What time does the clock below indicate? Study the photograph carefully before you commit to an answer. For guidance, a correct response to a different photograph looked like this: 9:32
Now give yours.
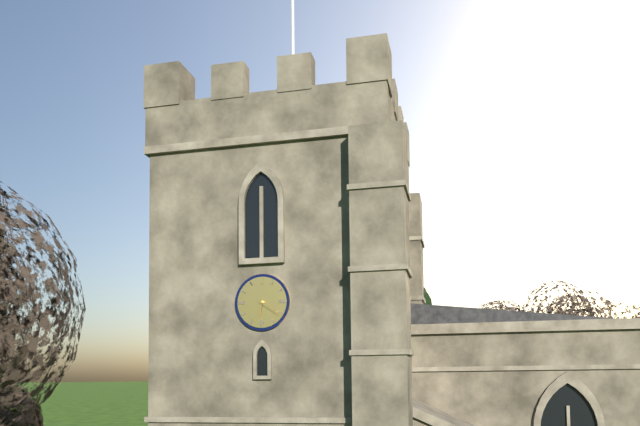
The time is 6:21
